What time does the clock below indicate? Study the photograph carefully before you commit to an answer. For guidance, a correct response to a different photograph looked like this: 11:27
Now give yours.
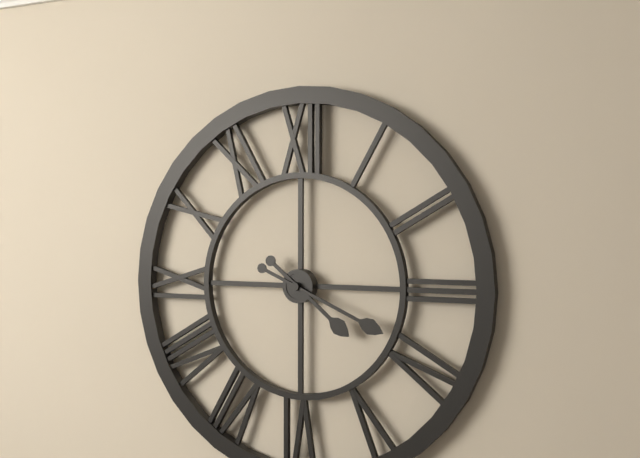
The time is 4:19
